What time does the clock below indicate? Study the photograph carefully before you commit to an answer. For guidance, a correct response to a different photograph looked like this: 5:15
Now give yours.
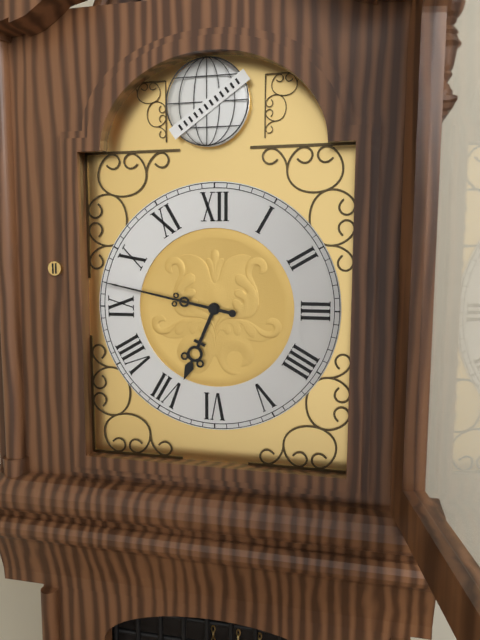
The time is 6:47
